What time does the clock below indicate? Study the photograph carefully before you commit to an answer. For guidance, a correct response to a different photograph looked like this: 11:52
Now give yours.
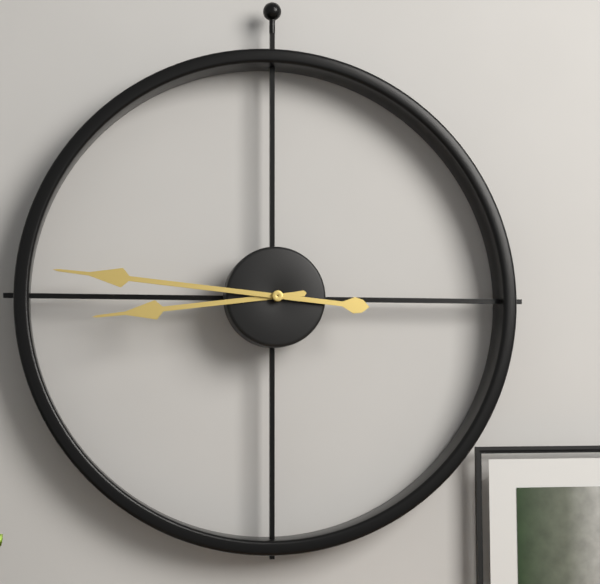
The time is 8:46
